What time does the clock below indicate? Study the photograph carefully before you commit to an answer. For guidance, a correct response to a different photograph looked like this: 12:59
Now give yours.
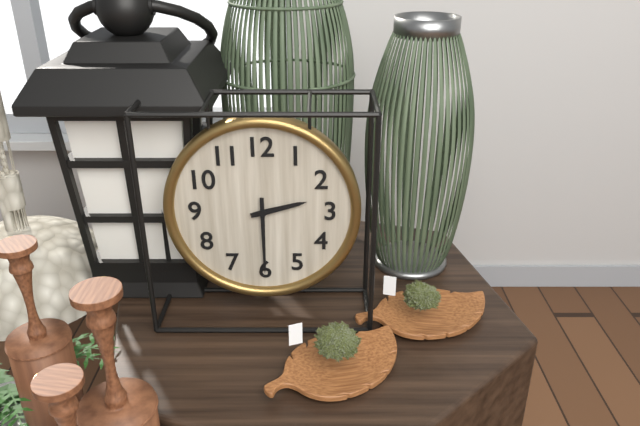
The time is 2:30
